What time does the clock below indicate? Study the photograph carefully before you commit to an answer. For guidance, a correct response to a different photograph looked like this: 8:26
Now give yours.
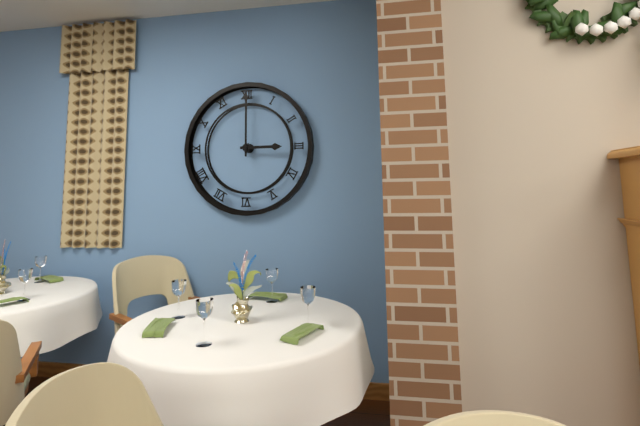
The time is 3:00
